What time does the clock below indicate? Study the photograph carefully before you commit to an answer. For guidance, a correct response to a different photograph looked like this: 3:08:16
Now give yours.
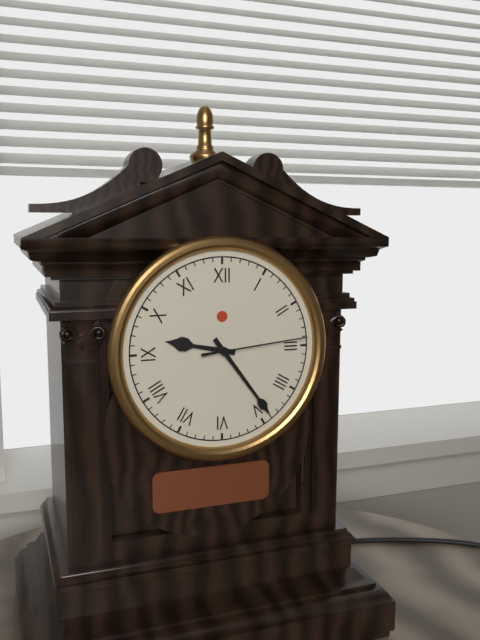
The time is 9:24:14
